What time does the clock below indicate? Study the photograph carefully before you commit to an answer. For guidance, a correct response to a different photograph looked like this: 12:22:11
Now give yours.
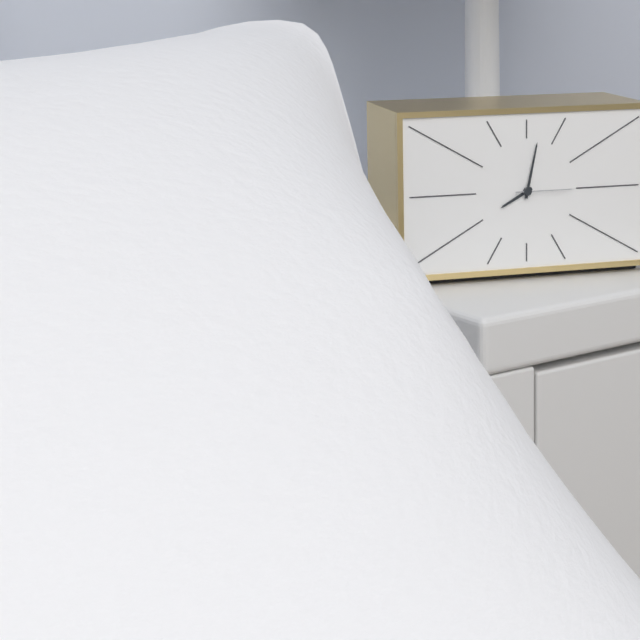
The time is 8:02:15
